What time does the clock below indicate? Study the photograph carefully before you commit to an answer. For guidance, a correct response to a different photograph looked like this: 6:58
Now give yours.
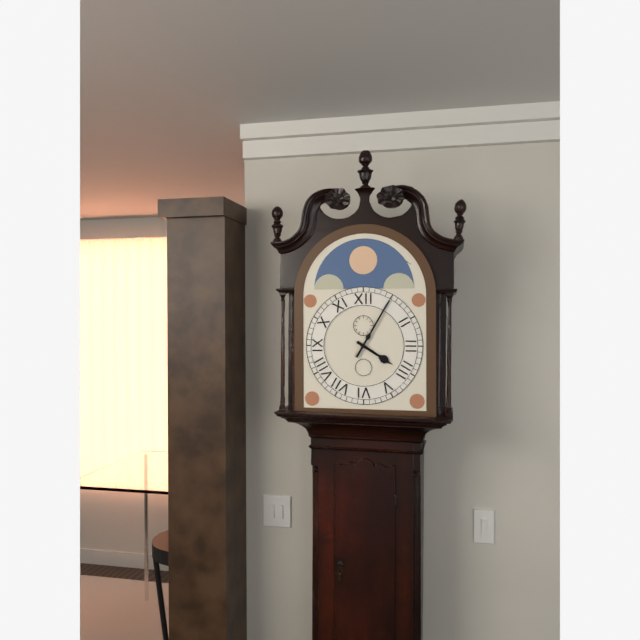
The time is 4:05
